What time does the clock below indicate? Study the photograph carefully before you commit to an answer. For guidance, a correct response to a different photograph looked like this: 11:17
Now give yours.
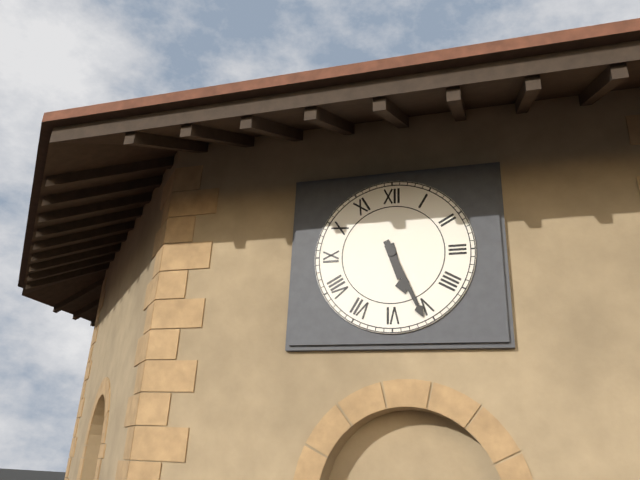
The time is 5:26
